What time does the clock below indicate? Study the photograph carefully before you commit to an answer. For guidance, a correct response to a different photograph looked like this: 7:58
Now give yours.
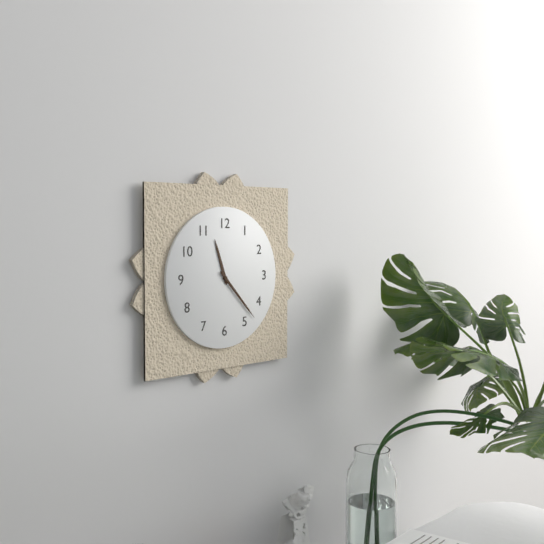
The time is 11:23
